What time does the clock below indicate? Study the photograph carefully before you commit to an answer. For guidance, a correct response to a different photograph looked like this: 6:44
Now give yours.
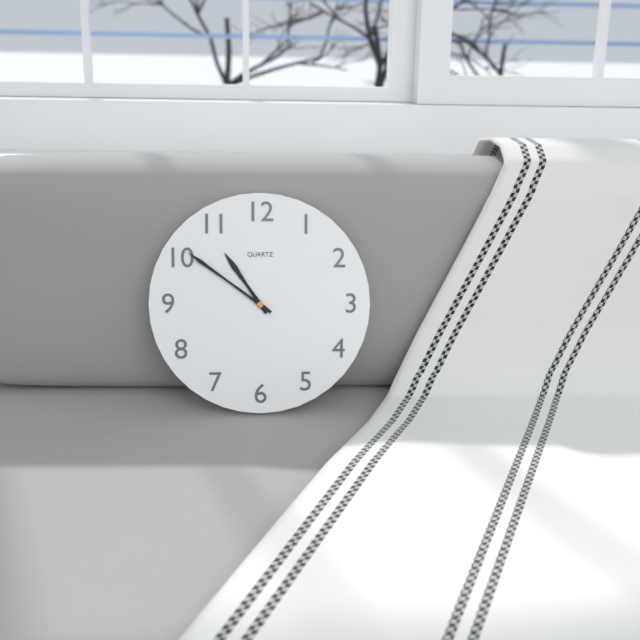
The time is 10:51
